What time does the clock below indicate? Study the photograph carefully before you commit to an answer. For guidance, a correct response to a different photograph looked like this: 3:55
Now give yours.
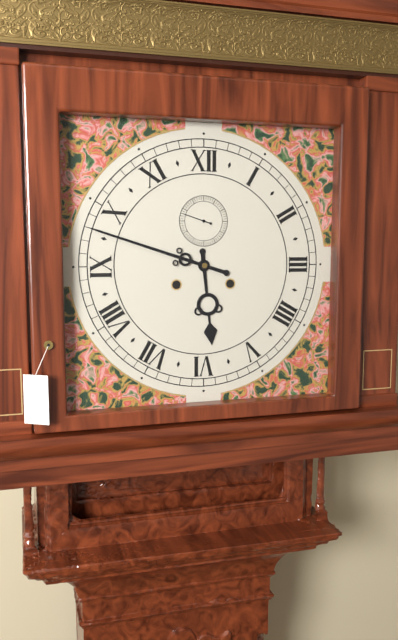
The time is 5:48
